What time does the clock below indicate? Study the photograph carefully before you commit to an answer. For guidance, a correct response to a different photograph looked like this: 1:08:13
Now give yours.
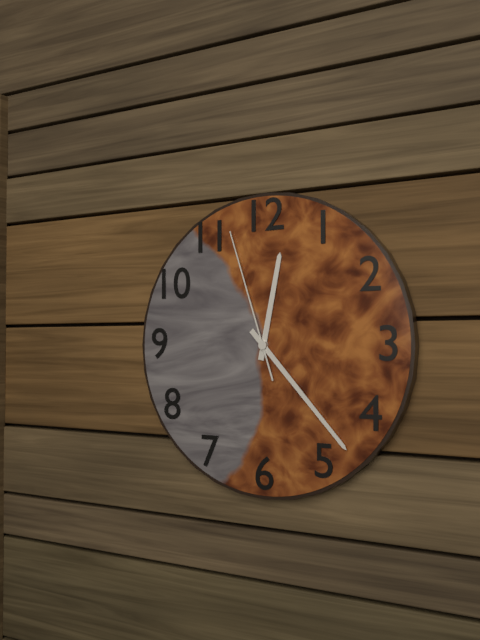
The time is 12:23:57
